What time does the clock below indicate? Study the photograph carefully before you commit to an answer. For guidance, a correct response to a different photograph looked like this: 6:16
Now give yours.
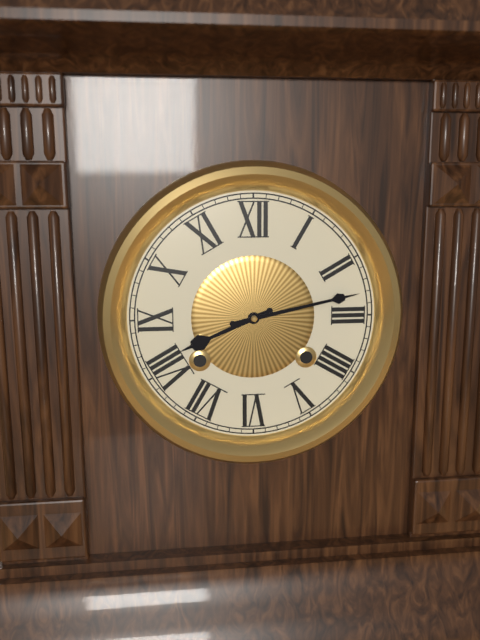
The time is 8:13
